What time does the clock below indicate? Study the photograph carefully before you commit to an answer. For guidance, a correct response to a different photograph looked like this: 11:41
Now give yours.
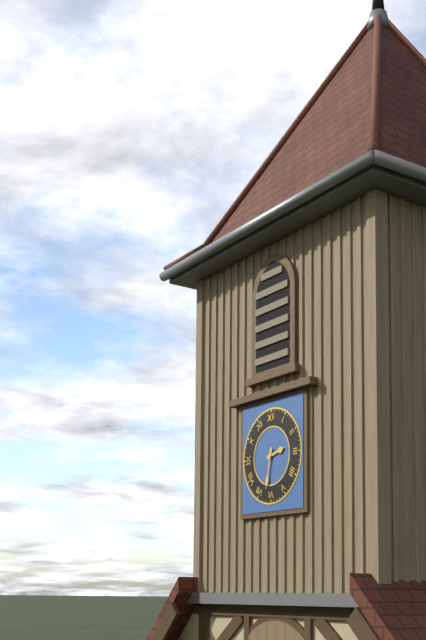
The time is 2:32
